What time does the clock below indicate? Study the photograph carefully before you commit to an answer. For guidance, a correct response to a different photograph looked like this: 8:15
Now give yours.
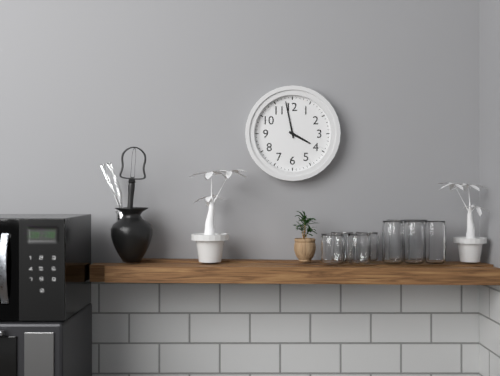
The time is 3:58
